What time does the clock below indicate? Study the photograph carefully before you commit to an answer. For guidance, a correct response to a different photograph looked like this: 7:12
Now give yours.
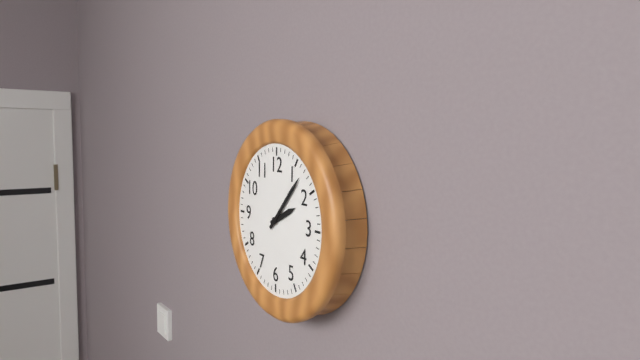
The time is 2:07
